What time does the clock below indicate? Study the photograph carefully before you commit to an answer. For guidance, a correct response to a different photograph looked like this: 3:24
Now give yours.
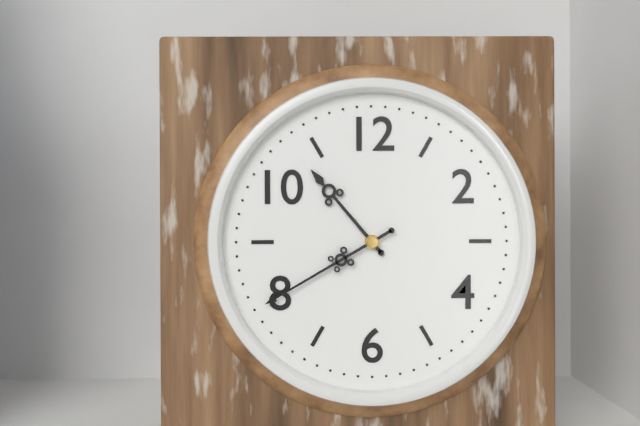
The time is 10:40
